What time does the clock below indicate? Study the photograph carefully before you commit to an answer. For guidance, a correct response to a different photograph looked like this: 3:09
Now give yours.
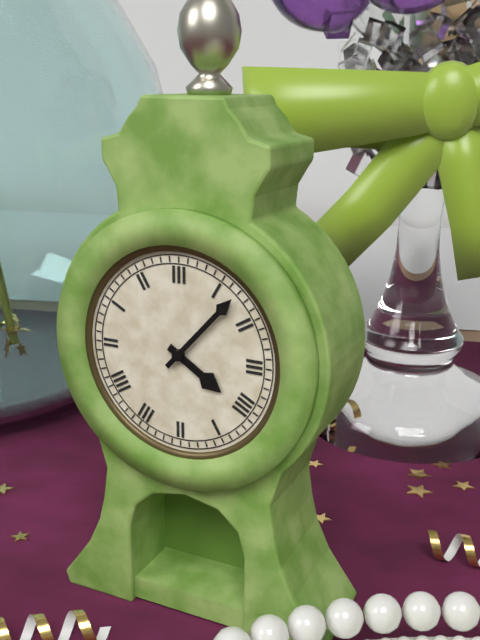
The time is 4:07
